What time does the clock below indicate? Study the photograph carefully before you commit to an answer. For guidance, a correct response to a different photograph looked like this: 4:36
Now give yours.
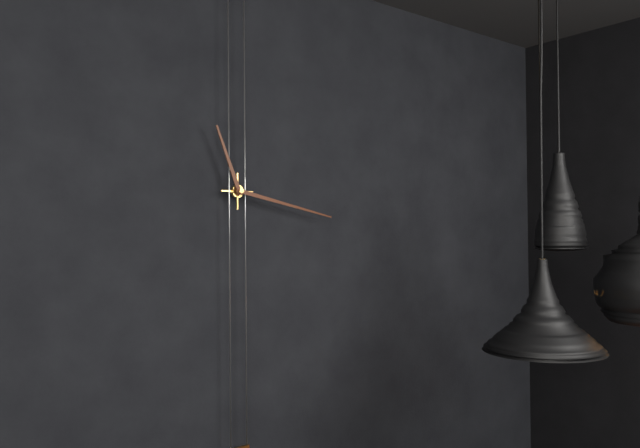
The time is 11:17
